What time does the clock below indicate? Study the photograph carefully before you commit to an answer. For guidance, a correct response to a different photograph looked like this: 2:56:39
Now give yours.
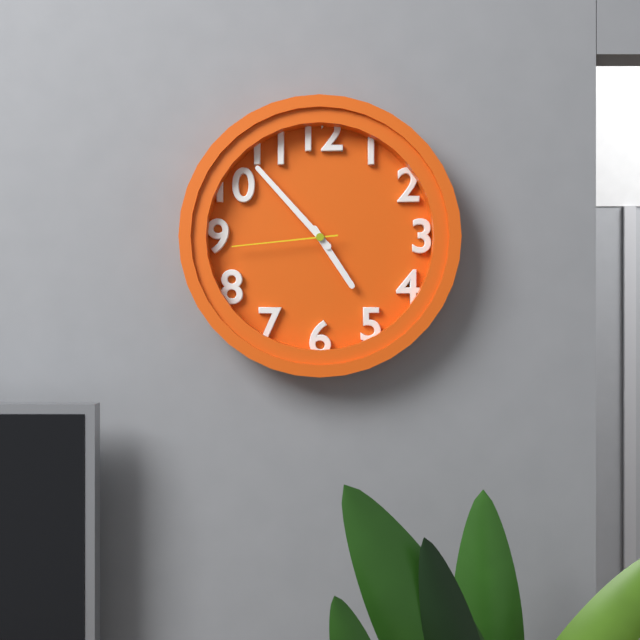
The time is 4:53:44
